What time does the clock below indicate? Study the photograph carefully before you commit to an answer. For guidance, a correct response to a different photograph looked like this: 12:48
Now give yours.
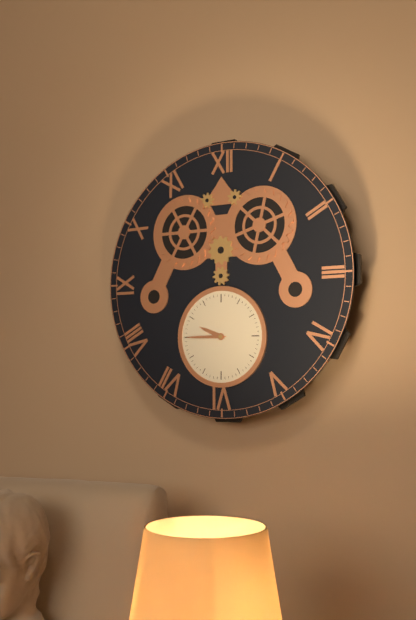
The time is 9:45
